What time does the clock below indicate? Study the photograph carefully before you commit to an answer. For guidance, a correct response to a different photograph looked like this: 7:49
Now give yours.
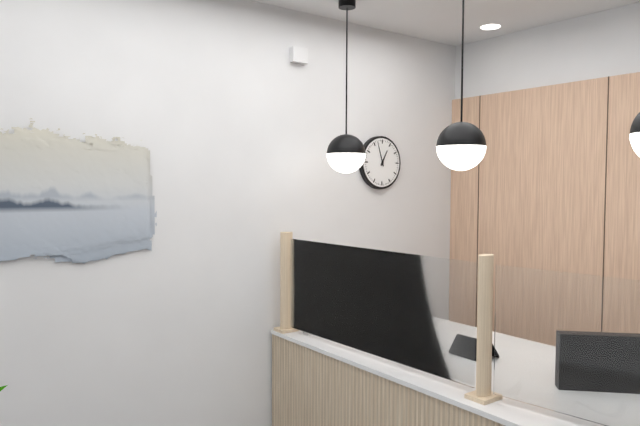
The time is 12:57
